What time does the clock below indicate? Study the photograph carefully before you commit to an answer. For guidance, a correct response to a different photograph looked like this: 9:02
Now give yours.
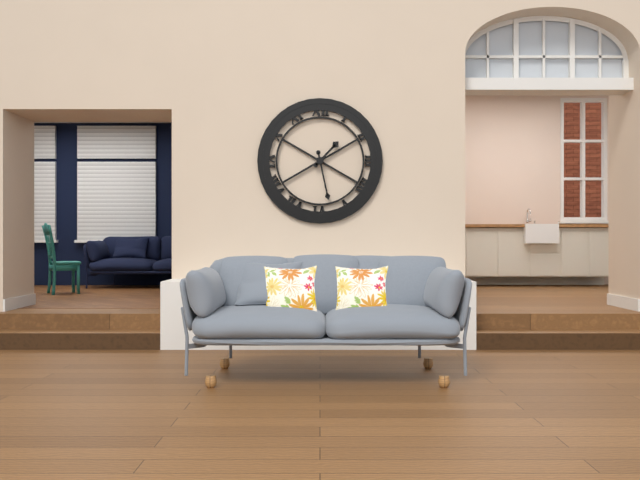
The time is 1:28
